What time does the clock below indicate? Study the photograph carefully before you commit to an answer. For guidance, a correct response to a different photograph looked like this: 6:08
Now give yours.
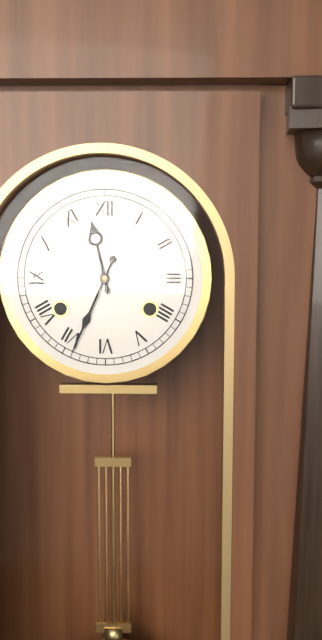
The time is 11:34
